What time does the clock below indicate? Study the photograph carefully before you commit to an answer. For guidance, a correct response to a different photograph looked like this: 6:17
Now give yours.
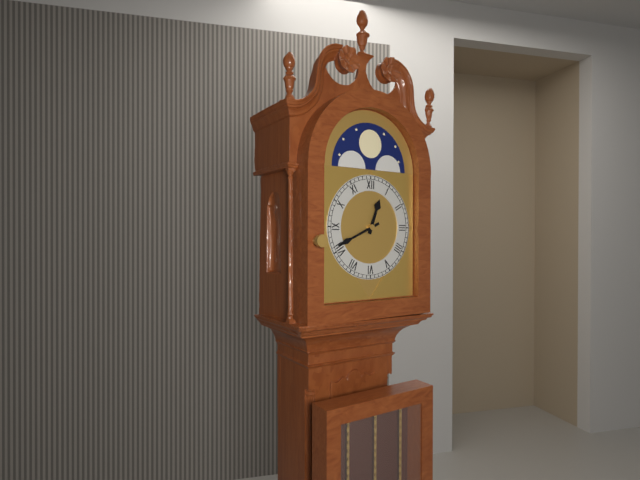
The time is 12:41
